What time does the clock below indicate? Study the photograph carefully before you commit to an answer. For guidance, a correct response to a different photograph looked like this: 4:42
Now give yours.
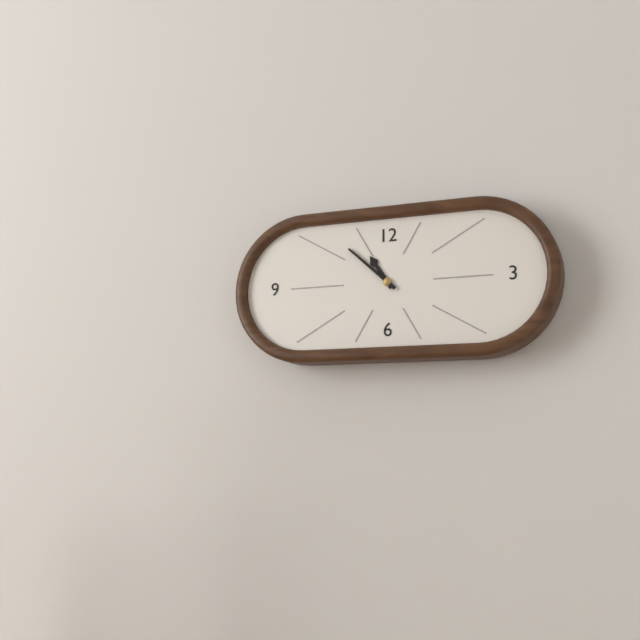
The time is 10:52
